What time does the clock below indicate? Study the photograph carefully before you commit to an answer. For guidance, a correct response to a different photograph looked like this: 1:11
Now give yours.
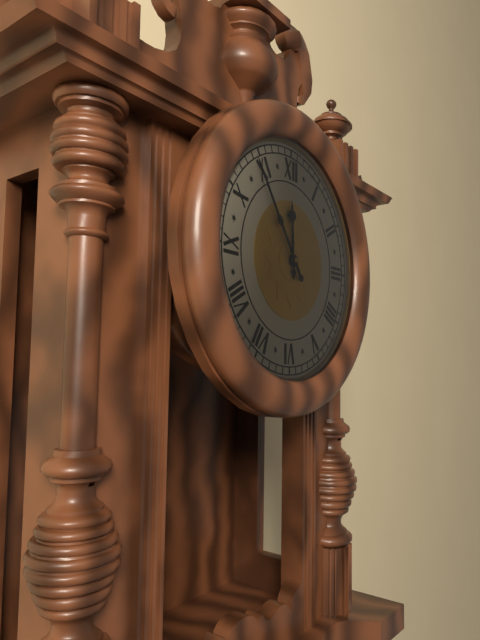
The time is 11:54
